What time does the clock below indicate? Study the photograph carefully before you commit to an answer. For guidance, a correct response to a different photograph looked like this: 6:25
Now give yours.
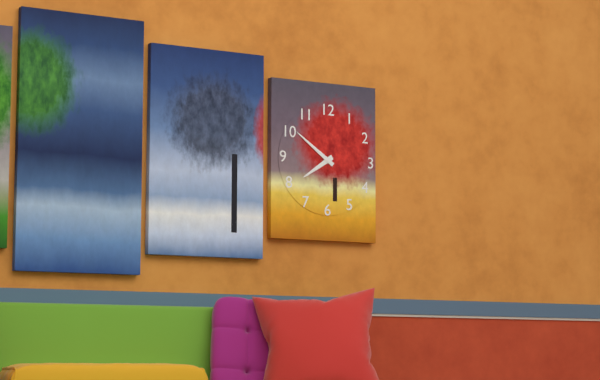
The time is 7:51
